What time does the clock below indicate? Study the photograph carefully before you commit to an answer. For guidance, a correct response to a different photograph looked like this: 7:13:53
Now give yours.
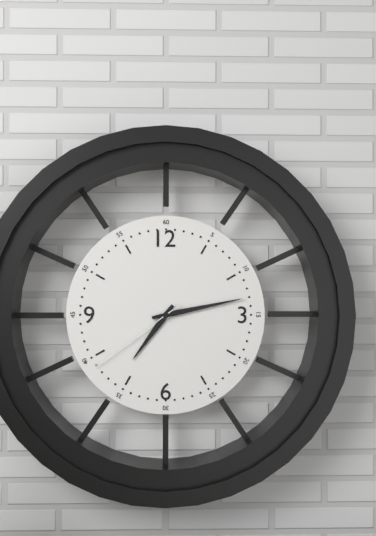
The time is 7:13:39
